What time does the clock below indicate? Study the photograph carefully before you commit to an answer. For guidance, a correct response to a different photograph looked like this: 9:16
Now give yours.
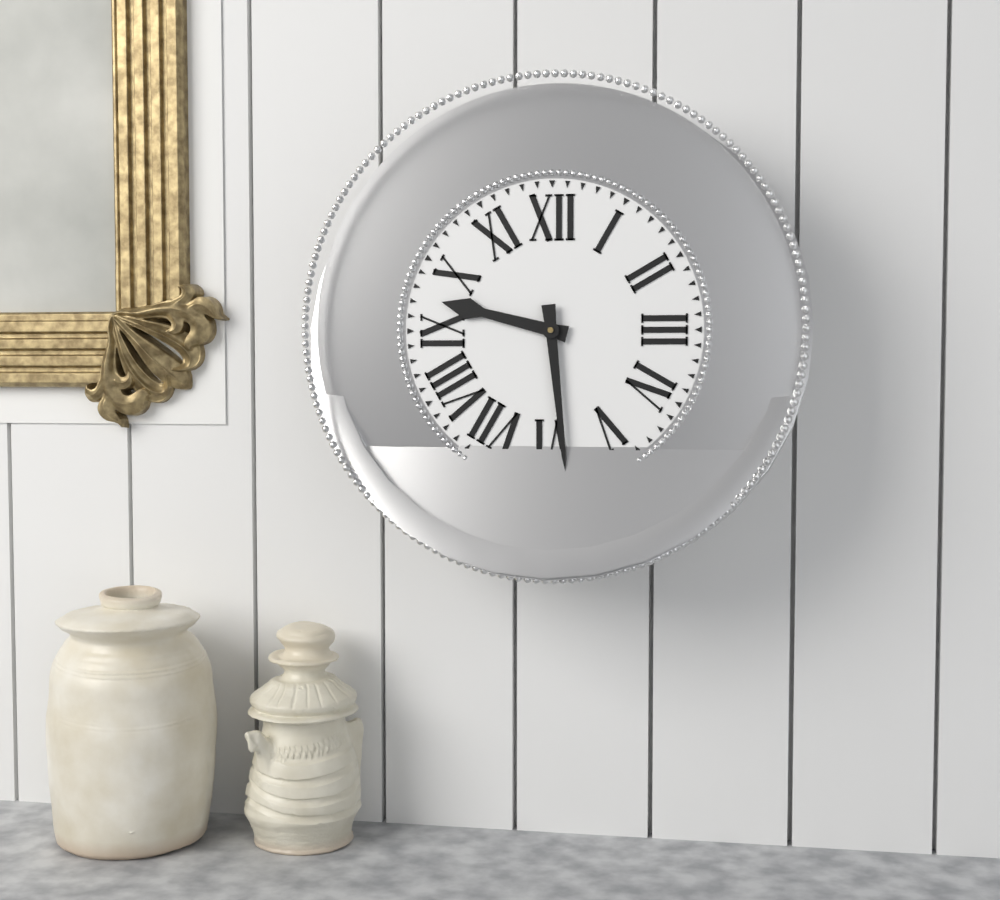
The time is 9:29
